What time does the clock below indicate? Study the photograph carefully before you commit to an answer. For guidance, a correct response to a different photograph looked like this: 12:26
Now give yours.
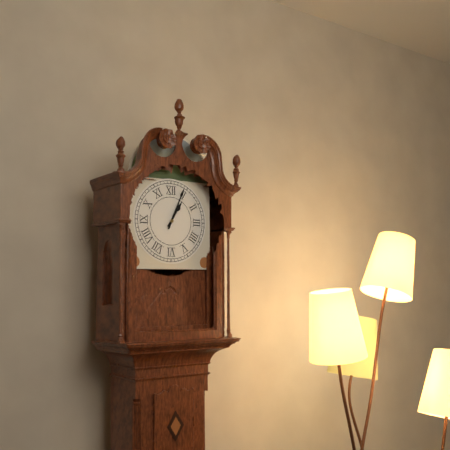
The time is 1:04
